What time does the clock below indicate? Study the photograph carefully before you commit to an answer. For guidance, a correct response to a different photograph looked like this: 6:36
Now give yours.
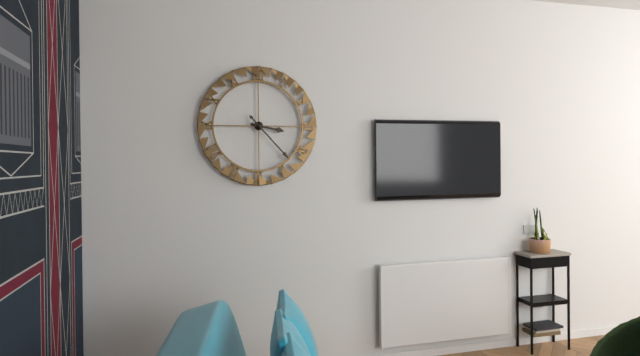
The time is 3:23
